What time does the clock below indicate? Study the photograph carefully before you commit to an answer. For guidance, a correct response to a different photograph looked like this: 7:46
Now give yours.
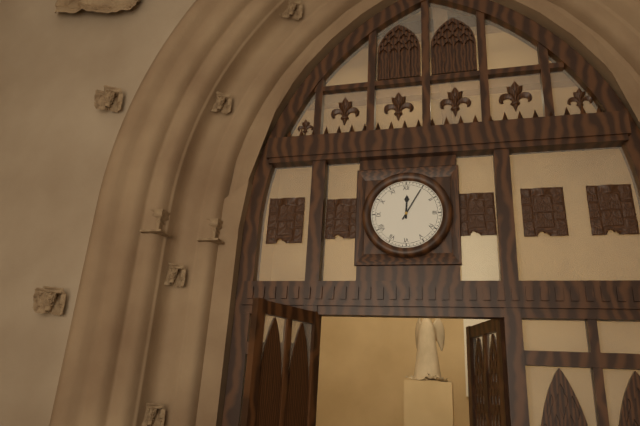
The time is 12:05
